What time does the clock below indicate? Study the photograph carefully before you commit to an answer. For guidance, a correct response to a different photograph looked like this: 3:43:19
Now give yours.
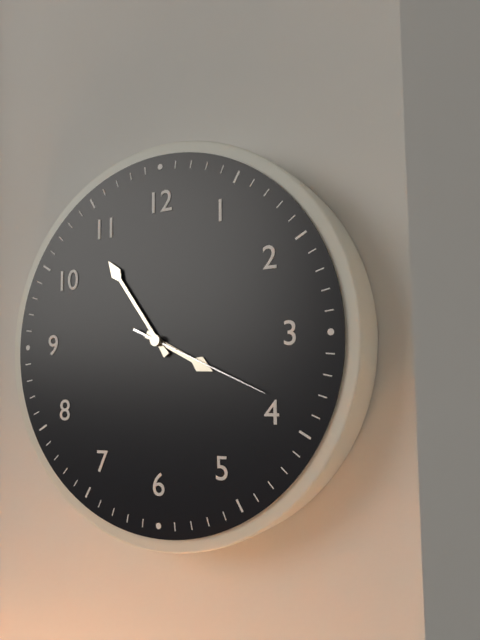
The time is 3:54:19
